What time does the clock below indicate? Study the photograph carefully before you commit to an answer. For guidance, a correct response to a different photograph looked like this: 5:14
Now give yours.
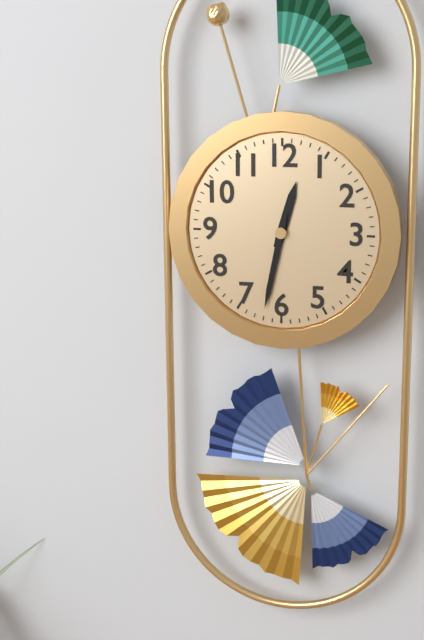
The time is 12:32
